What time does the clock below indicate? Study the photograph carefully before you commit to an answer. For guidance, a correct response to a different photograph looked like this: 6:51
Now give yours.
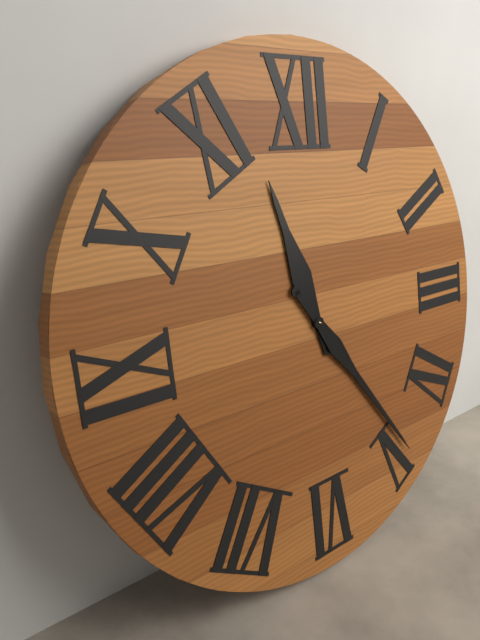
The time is 11:24
